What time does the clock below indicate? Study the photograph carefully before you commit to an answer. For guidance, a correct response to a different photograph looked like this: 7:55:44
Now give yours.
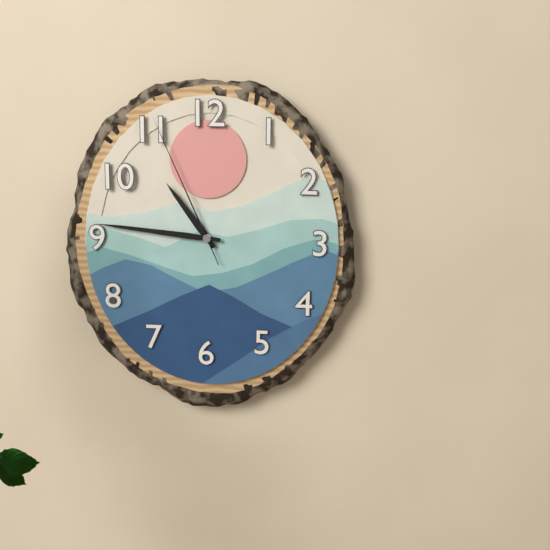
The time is 10:46:56
